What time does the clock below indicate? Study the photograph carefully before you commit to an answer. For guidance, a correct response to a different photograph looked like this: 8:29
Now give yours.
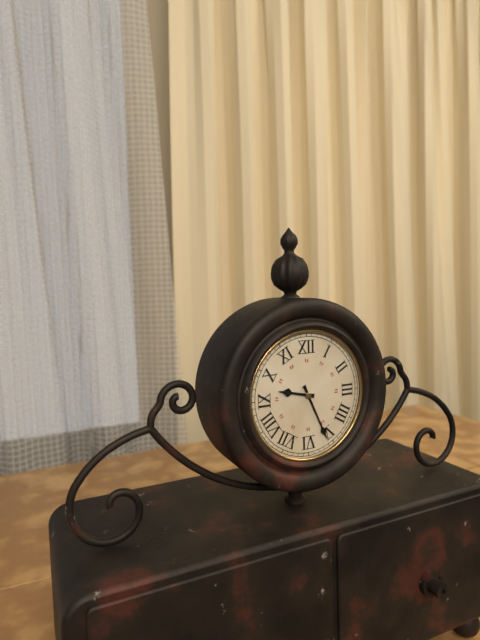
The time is 9:26
